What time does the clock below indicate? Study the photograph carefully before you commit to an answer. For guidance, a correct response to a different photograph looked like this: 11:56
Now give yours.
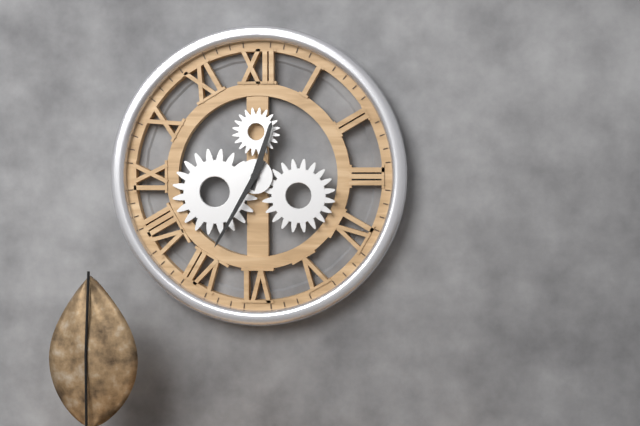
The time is 12:35
